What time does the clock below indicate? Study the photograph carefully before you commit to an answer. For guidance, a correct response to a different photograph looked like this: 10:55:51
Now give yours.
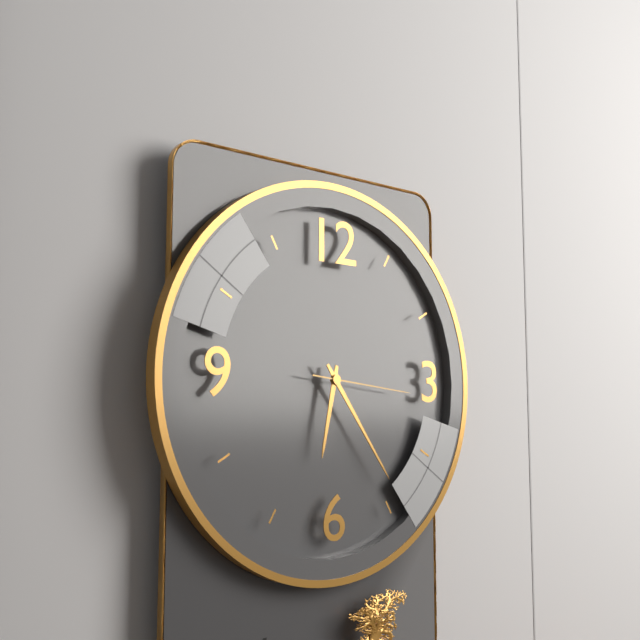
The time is 6:24:16
